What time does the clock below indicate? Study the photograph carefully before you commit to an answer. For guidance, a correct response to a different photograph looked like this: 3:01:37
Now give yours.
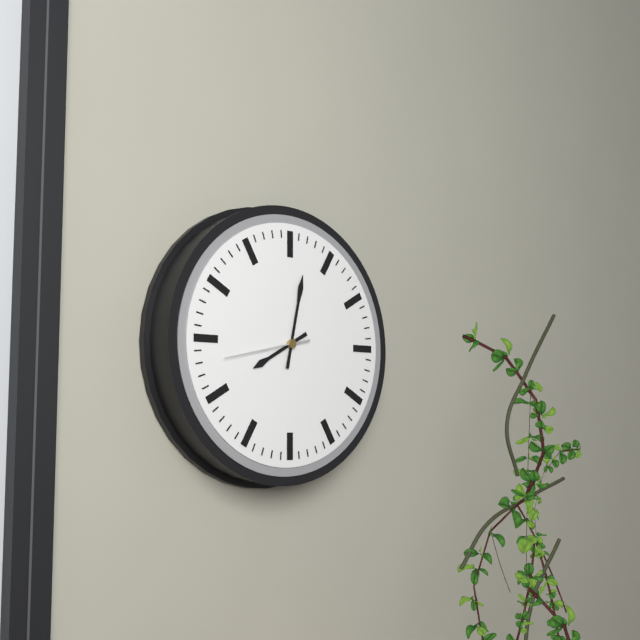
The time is 8:02:43
